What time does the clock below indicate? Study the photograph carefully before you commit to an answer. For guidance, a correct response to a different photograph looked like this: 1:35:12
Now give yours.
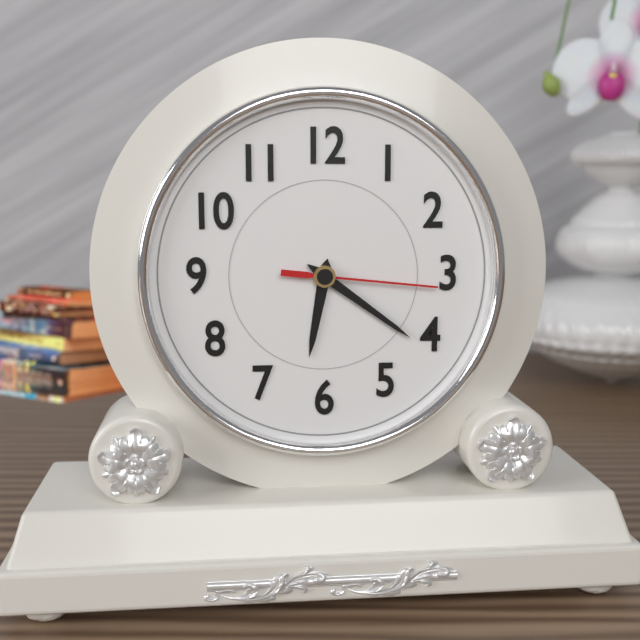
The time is 6:21:16
